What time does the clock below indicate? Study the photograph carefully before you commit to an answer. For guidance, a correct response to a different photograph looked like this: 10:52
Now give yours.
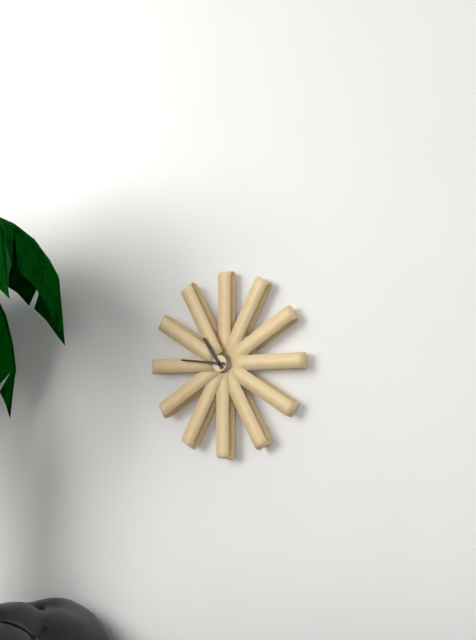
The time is 10:46
